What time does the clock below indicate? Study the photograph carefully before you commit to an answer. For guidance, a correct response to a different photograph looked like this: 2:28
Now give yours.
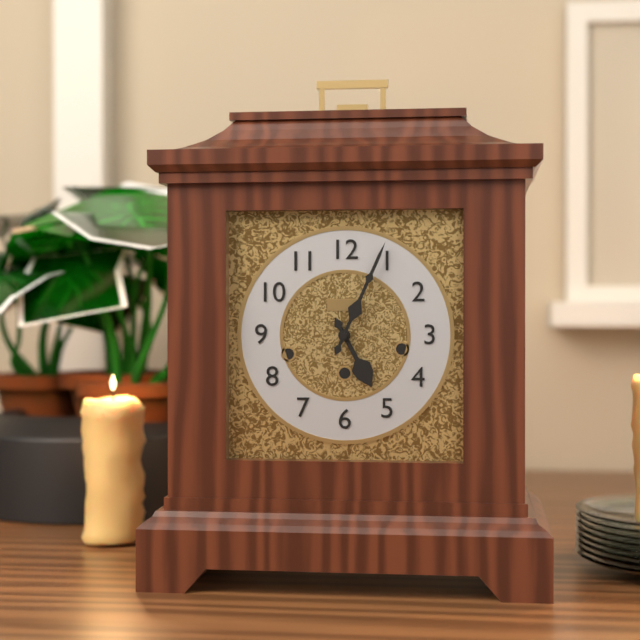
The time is 5:04
